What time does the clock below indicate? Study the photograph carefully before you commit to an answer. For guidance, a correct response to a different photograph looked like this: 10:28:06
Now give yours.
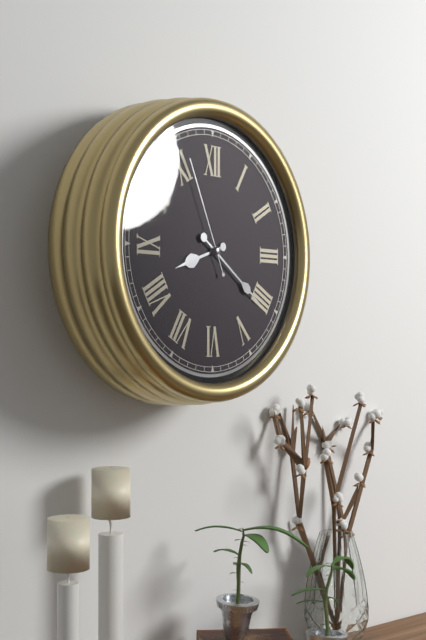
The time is 8:21:56
